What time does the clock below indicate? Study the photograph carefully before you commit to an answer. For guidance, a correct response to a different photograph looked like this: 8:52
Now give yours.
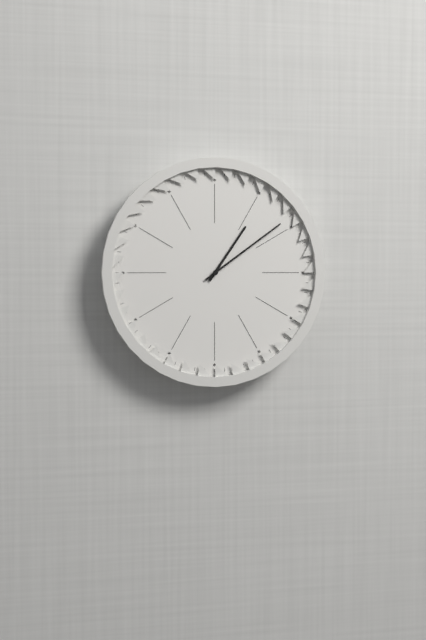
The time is 1:09
